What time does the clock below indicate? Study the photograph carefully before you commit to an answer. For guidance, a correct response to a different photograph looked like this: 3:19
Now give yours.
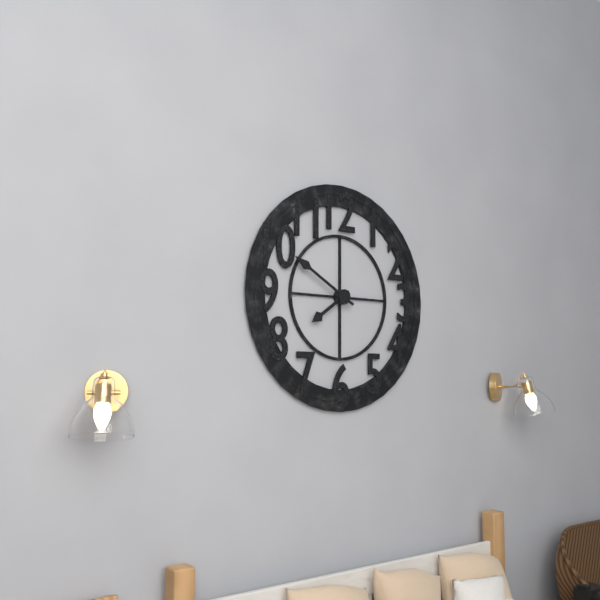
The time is 7:50
